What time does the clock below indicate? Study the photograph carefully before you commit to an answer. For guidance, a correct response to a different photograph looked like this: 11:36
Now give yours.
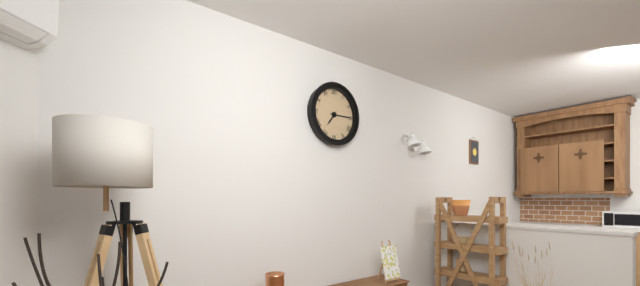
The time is 7:15
